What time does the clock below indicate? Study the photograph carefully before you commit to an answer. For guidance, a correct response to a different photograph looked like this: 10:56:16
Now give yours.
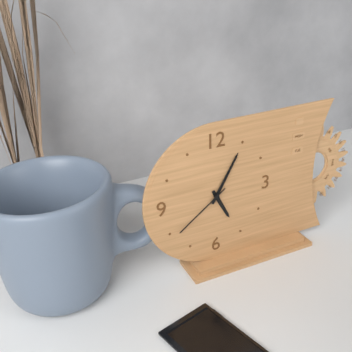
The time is 5:05:39
